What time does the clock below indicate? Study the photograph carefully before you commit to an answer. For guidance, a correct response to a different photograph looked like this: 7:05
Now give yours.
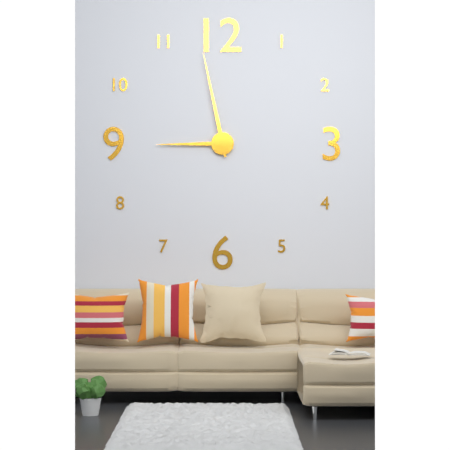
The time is 8:58
